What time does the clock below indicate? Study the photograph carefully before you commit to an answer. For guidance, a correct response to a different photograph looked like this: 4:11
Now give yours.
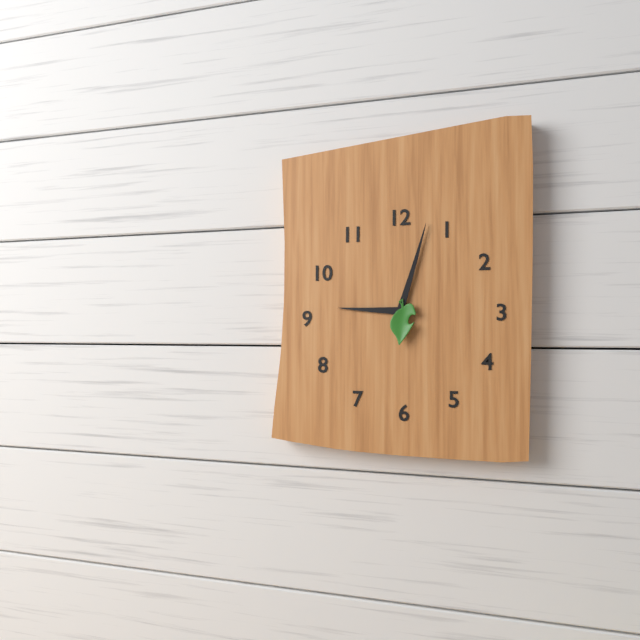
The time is 9:03
